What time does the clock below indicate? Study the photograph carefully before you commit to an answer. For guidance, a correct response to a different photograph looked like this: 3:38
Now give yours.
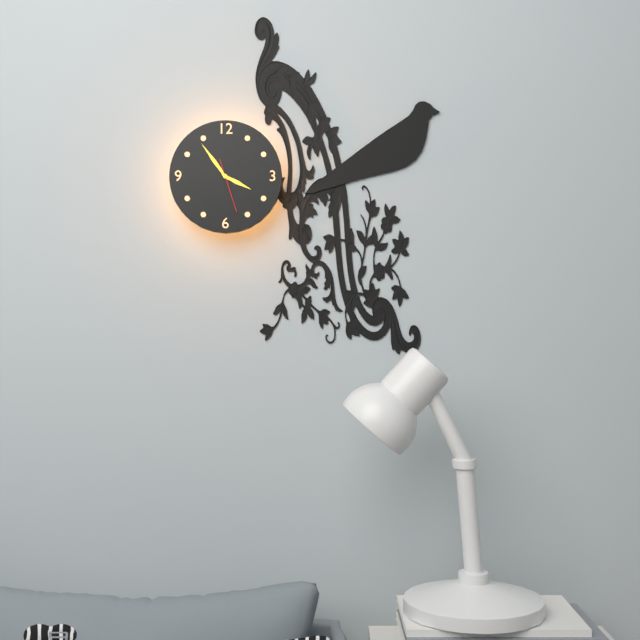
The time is 3:54
